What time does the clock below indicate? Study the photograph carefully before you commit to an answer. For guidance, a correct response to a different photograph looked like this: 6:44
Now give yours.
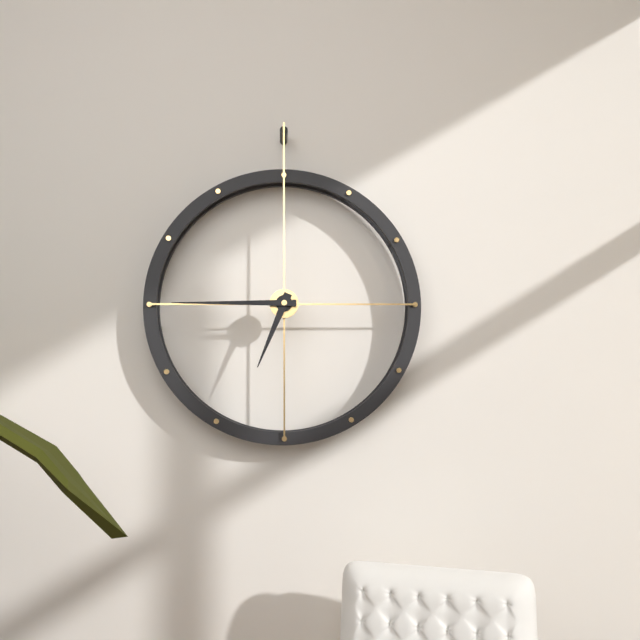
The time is 6:45
